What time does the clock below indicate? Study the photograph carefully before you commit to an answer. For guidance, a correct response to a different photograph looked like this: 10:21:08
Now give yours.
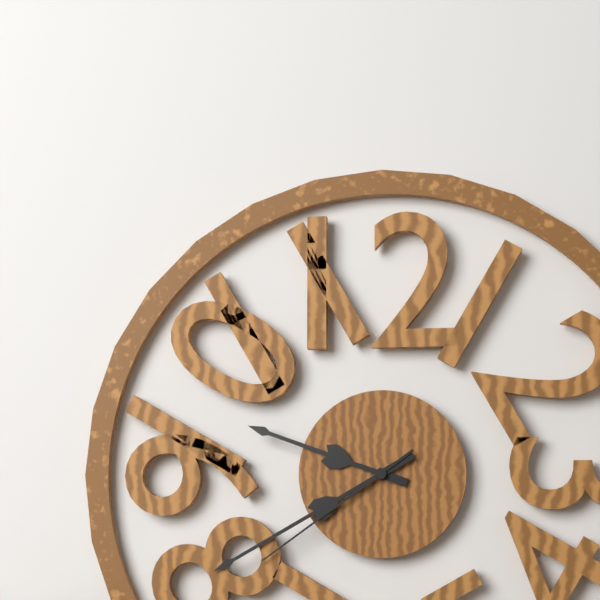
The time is 9:40:39
